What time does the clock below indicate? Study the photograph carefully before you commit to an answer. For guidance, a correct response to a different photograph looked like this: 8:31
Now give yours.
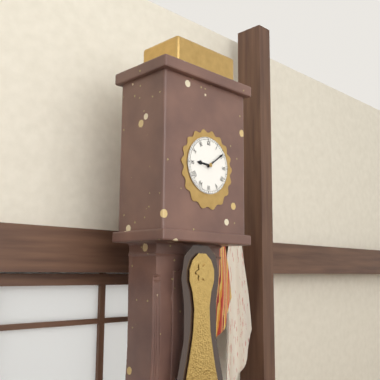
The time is 9:09
